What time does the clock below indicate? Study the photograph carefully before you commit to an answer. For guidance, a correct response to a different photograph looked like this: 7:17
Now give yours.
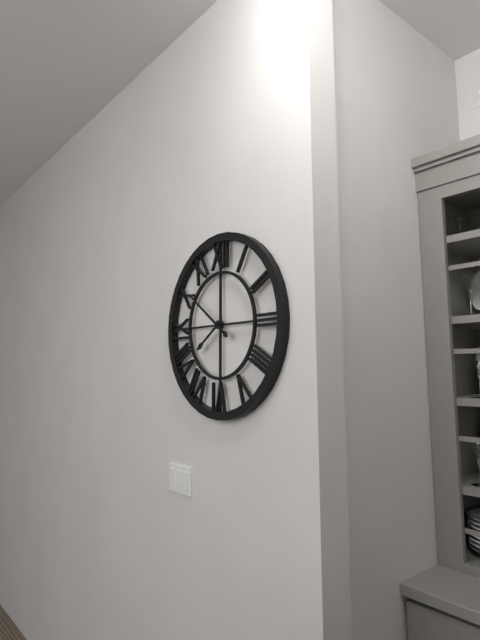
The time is 7:51
